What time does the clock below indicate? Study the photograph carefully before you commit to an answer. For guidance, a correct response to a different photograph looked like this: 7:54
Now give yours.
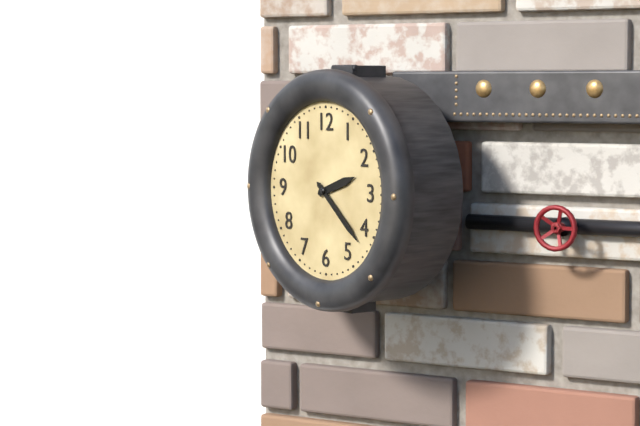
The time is 2:22
